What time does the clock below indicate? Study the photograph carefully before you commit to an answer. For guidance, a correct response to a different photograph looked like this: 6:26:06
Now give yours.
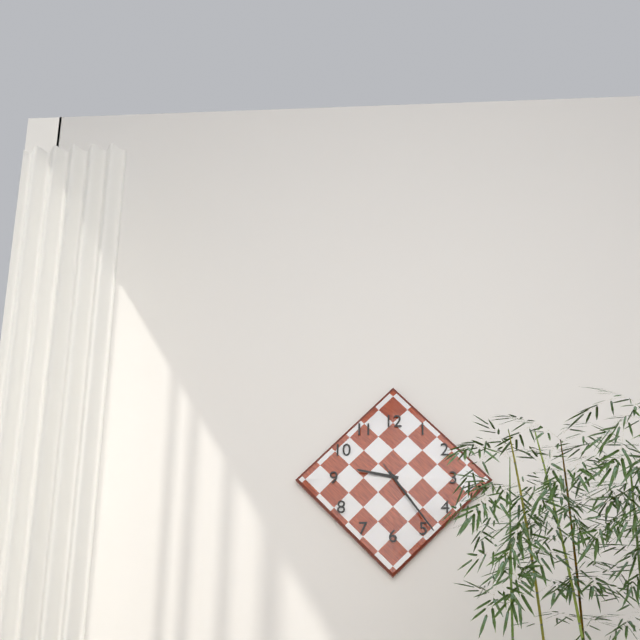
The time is 9:24:24
